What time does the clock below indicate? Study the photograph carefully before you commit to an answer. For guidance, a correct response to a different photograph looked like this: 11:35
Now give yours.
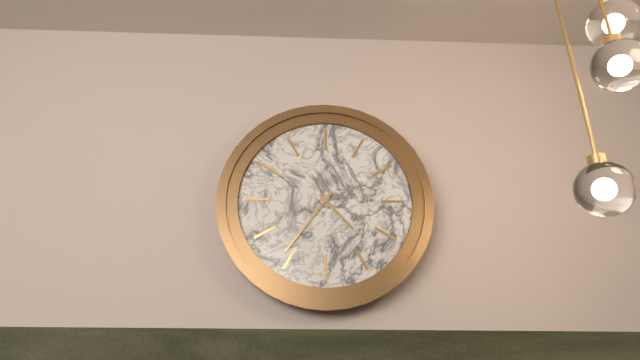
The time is 4:36
